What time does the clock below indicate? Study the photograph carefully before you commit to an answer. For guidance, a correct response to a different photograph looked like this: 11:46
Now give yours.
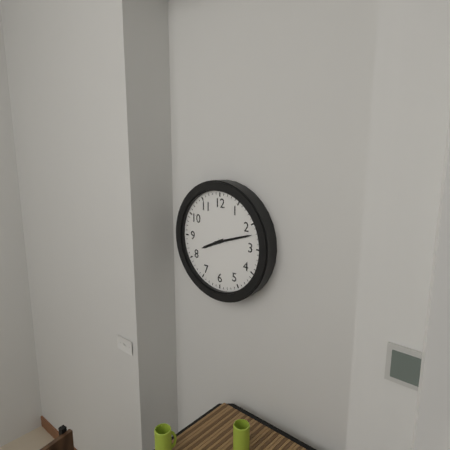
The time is 8:12
